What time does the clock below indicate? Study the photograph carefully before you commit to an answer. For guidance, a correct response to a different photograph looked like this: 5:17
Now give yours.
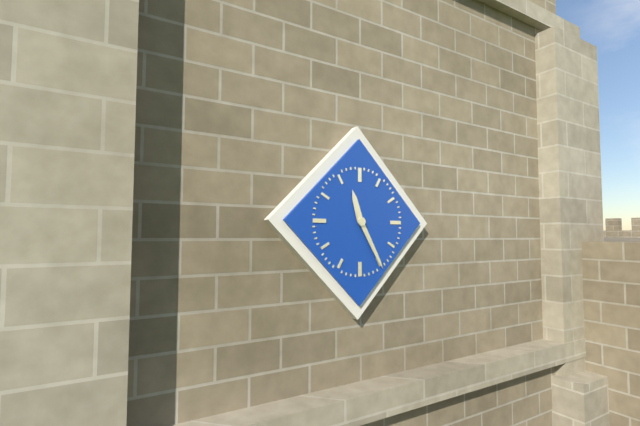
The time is 11:25
